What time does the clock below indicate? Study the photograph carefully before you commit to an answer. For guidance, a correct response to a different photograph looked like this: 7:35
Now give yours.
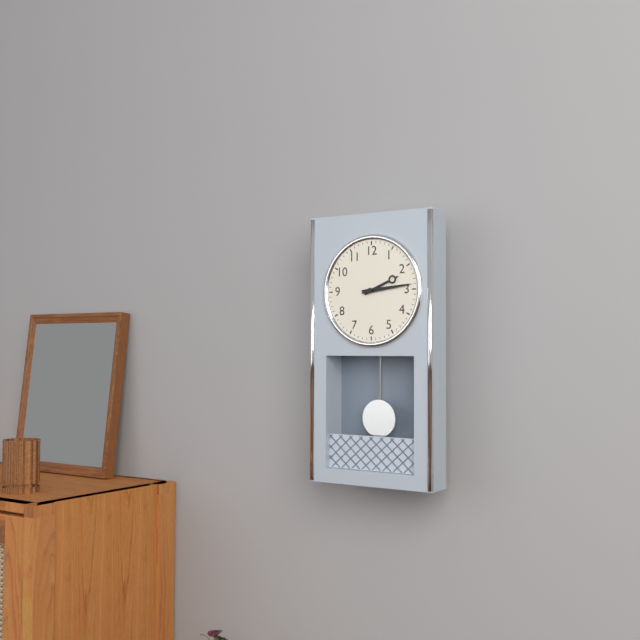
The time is 2:14
